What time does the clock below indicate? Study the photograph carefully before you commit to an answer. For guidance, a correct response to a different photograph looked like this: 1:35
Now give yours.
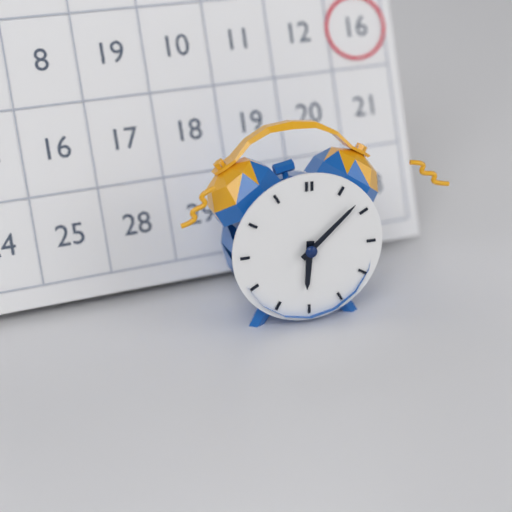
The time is 6:08
